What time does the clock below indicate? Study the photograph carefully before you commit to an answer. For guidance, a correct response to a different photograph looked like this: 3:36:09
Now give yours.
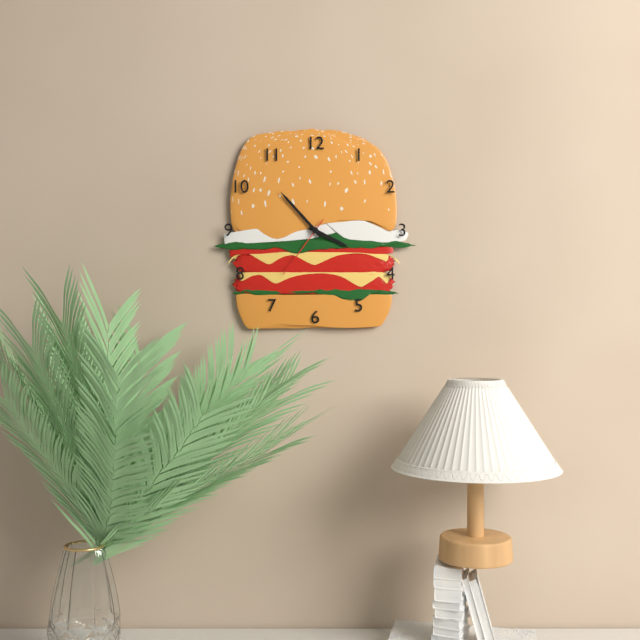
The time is 3:53:36
